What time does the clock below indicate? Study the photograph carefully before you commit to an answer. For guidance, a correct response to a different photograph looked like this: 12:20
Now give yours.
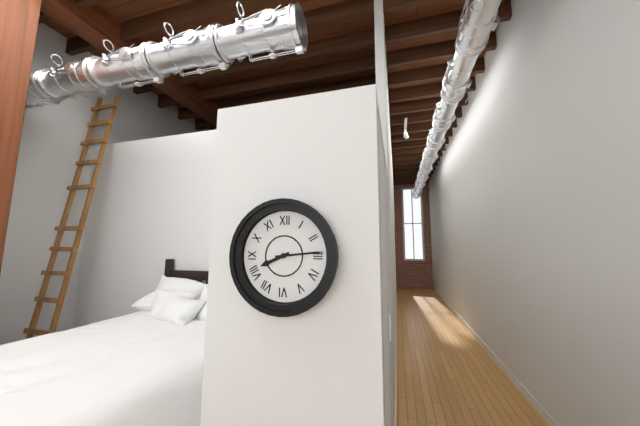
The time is 8:14
